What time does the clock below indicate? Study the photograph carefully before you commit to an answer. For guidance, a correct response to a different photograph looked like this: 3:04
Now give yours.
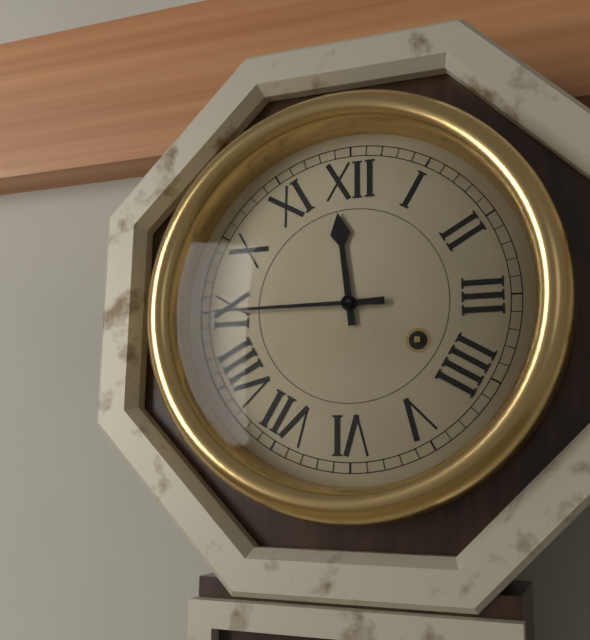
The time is 11:45
